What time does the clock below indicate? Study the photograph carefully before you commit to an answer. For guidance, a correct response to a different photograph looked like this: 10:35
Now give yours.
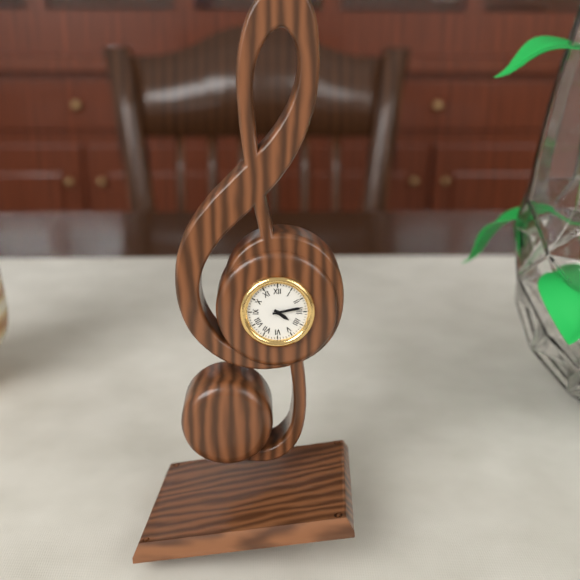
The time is 4:13
